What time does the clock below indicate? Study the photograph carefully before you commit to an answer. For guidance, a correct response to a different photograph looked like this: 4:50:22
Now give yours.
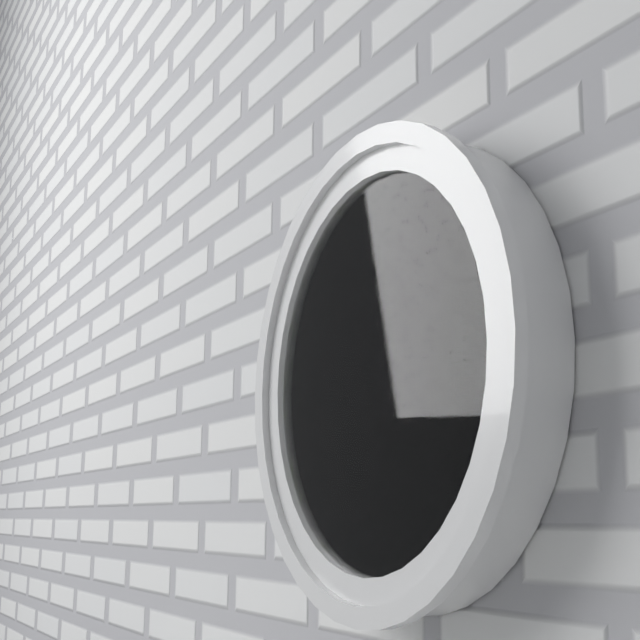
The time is 5:08:26
